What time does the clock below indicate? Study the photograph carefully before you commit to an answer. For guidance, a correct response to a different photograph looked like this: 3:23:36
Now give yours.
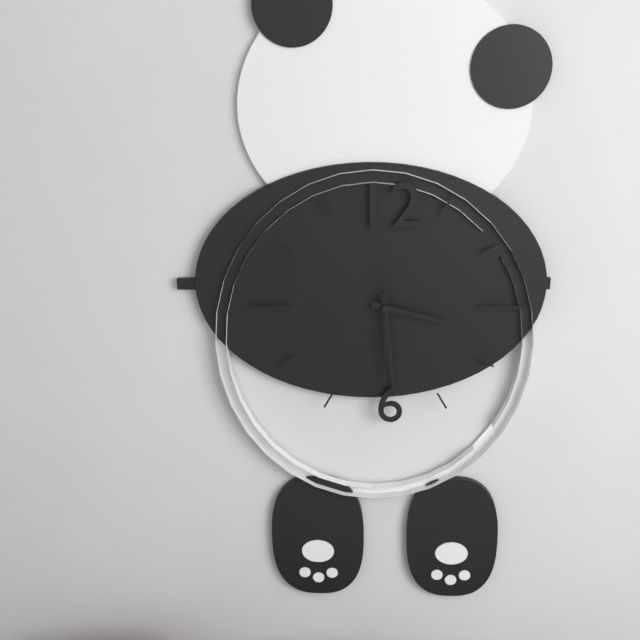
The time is 3:29:30
